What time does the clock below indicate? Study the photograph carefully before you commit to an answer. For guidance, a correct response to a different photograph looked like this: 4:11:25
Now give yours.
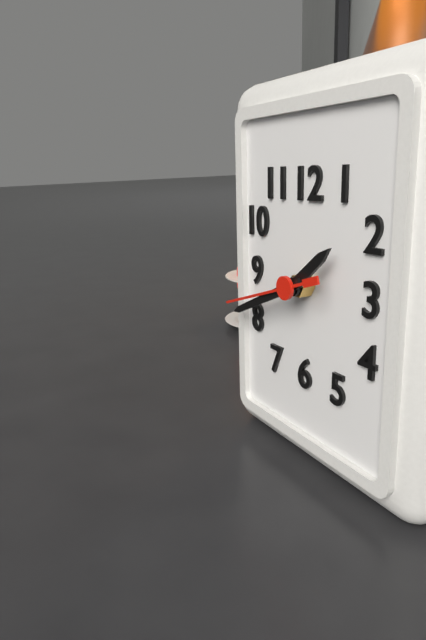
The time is 1:41:42
